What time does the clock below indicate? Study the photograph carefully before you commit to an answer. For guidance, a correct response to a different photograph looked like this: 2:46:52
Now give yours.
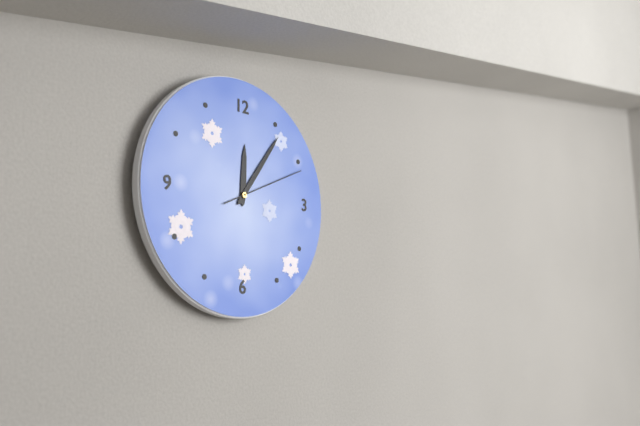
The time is 12:06:11
